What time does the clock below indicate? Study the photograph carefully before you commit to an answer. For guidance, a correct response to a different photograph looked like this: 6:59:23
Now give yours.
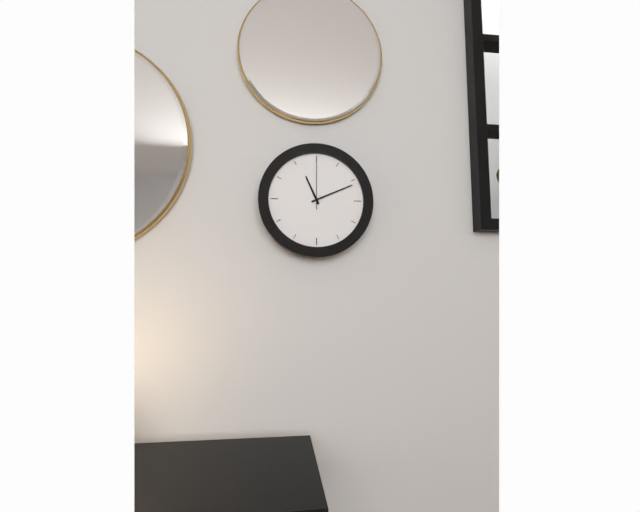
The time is 11:11:00
